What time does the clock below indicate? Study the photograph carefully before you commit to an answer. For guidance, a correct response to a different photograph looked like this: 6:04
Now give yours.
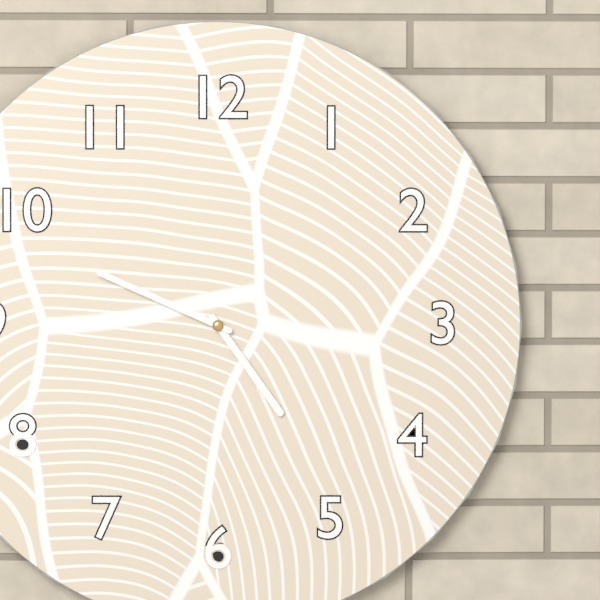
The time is 4:49
